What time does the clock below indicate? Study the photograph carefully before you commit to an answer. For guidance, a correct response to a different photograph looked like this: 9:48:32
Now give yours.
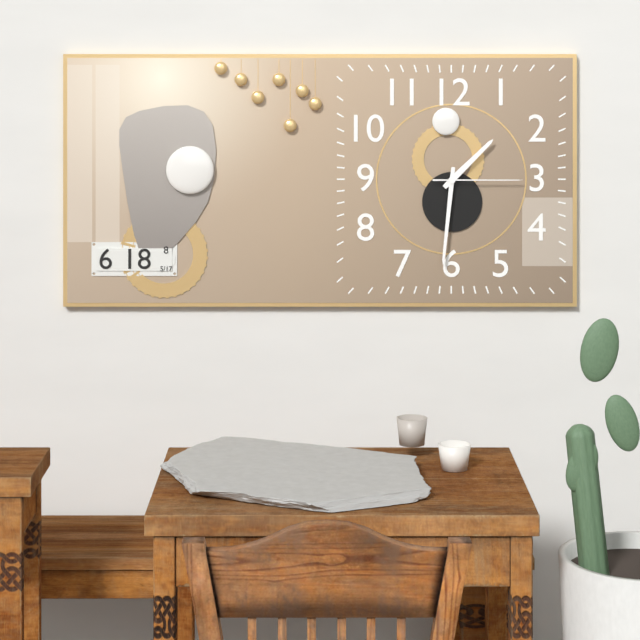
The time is 1:31:15
